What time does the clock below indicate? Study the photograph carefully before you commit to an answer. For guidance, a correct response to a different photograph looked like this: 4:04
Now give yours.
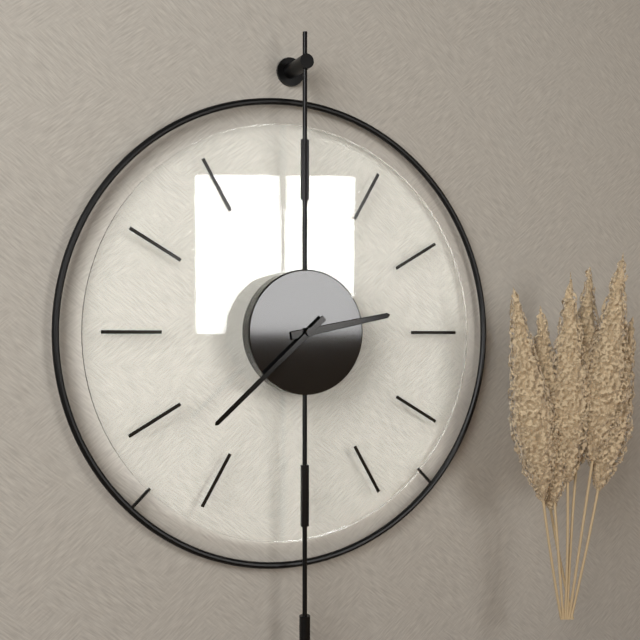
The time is 2:38
